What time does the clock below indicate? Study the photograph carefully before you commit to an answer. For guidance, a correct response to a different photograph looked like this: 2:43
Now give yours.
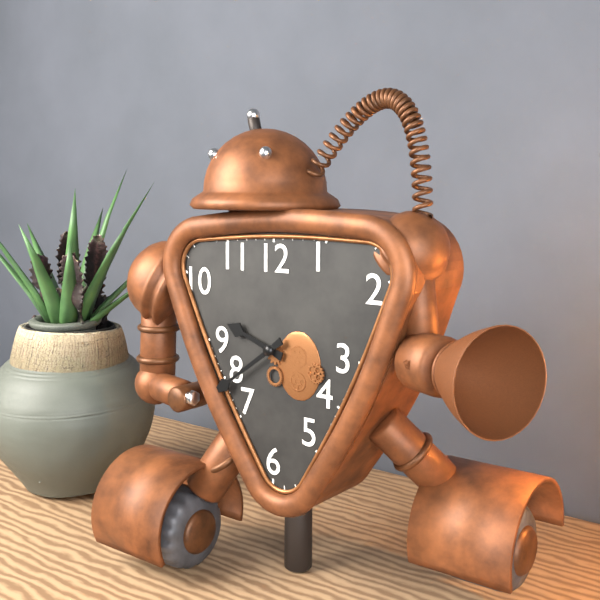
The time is 9:39
